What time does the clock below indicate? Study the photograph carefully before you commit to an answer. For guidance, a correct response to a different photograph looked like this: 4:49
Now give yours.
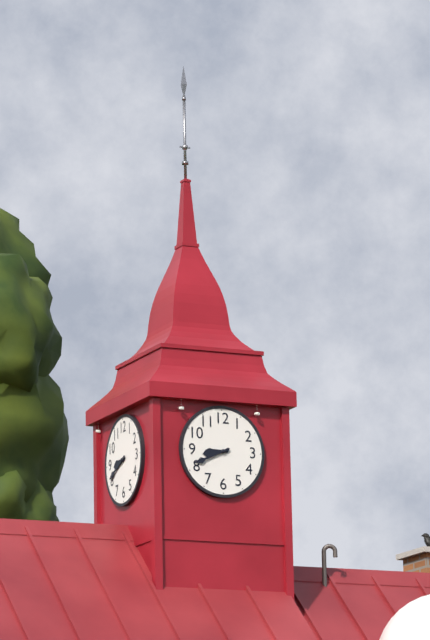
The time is 8:41
